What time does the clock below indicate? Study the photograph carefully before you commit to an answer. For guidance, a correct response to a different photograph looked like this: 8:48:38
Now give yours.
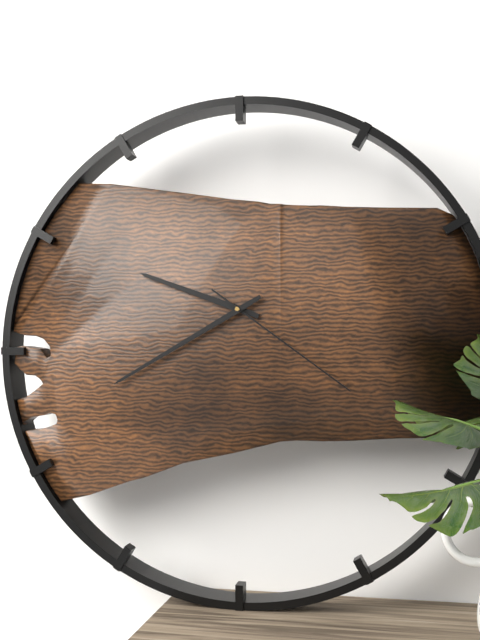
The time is 9:40:21
